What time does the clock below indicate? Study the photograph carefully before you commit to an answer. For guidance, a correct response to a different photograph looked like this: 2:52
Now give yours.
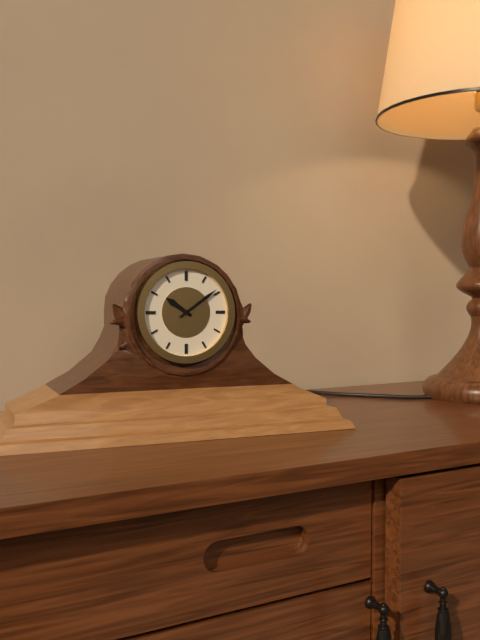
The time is 10:09
